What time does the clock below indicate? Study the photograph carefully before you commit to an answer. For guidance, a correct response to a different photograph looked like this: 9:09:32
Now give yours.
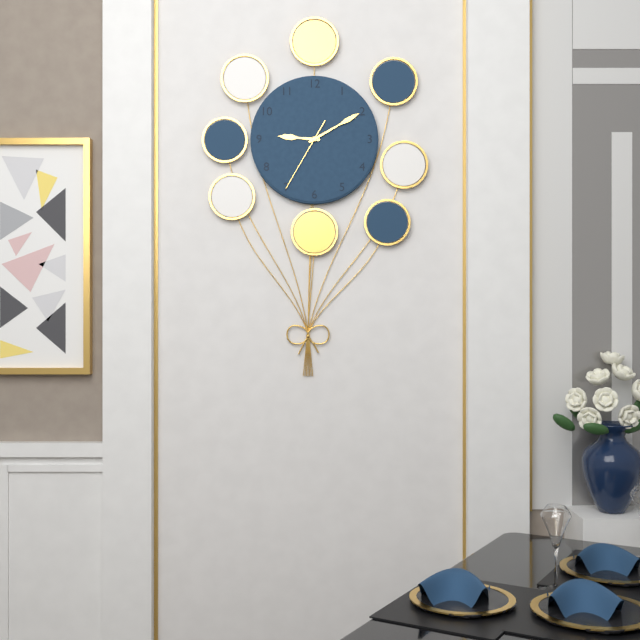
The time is 9:10:35
